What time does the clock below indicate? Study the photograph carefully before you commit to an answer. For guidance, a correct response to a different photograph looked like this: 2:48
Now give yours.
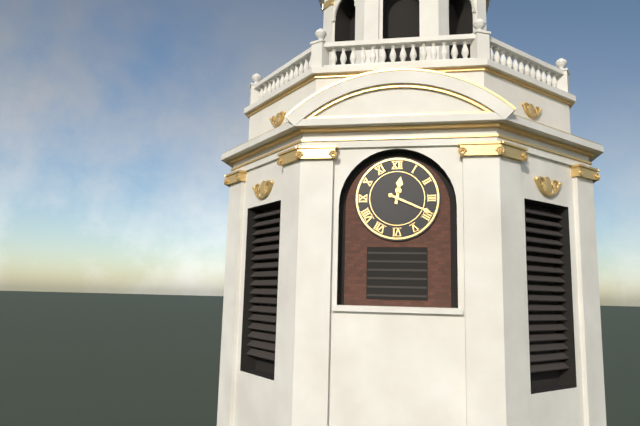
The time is 12:19
